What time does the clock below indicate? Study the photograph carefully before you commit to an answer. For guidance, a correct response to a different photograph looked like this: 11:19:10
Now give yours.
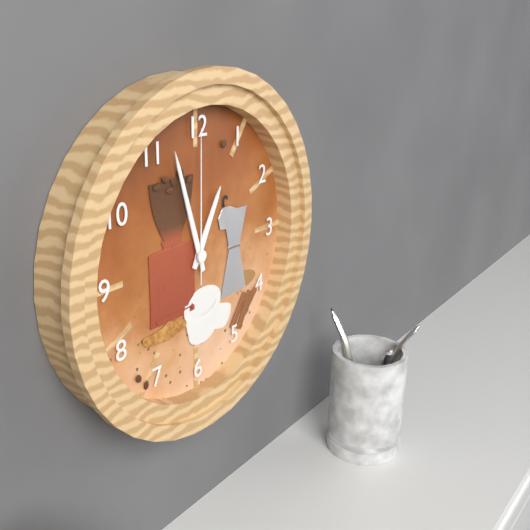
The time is 12:57:00
